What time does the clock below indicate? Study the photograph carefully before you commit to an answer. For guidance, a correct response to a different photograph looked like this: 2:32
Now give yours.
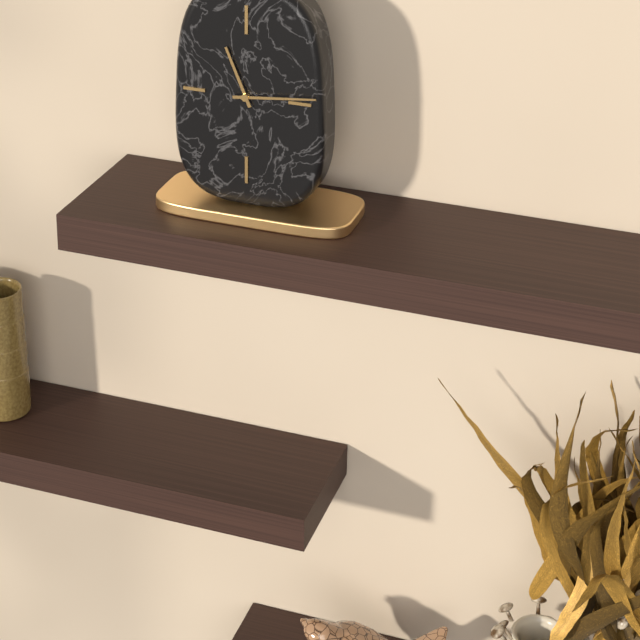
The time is 11:14
